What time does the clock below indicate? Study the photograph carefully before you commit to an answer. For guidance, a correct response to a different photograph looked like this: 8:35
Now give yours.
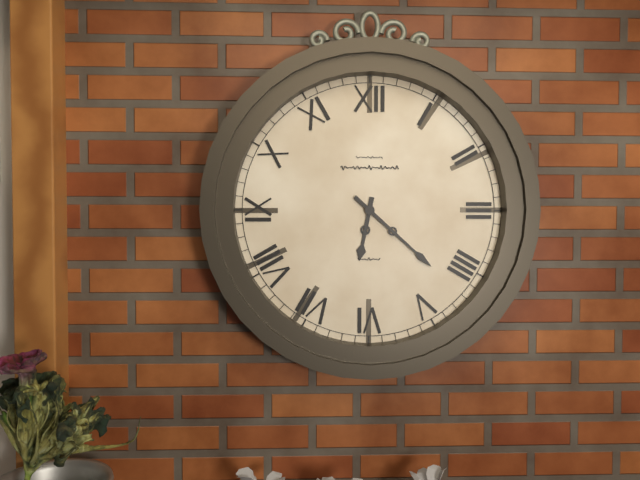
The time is 6:22
